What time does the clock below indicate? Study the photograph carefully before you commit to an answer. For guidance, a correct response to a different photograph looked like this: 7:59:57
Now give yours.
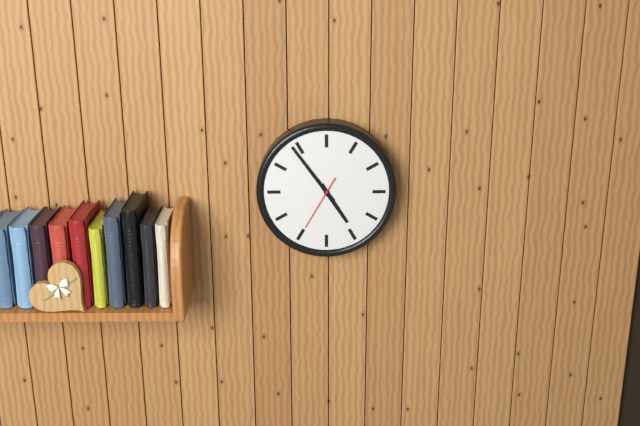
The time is 4:54:35
